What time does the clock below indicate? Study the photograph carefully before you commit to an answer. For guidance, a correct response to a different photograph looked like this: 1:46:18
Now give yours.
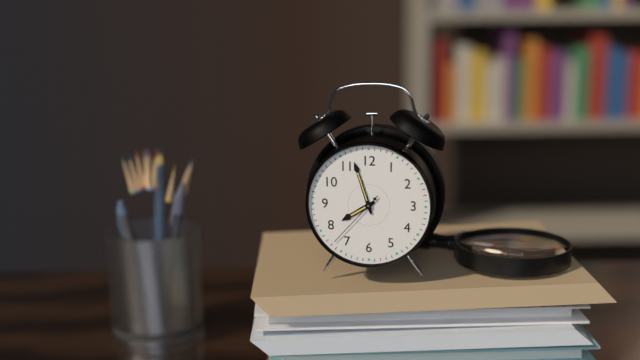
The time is 7:57:37
